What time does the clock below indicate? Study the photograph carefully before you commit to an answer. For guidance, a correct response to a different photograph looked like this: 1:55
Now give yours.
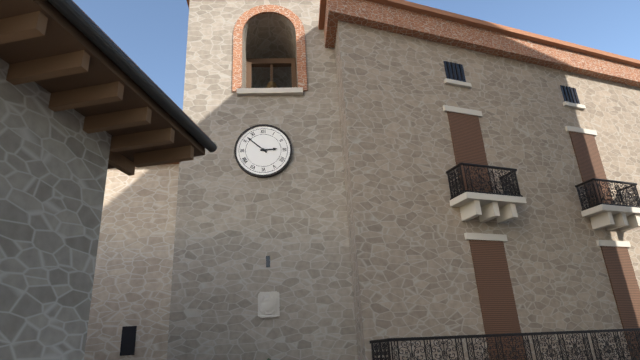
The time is 2:52
